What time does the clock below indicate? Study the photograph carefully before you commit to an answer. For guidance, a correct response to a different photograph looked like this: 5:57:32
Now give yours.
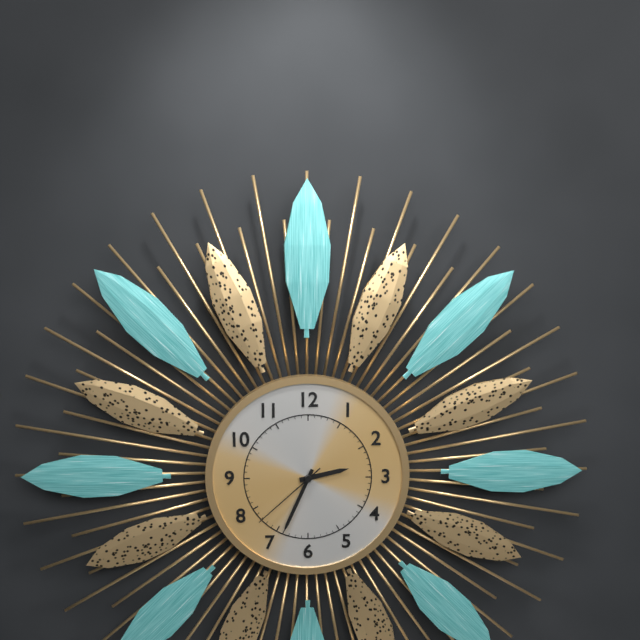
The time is 2:34:38
